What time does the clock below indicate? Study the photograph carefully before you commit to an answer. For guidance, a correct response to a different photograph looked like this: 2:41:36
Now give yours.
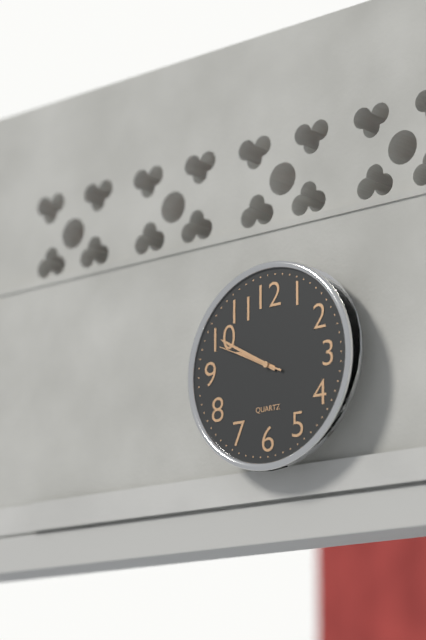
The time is 9:50:49
